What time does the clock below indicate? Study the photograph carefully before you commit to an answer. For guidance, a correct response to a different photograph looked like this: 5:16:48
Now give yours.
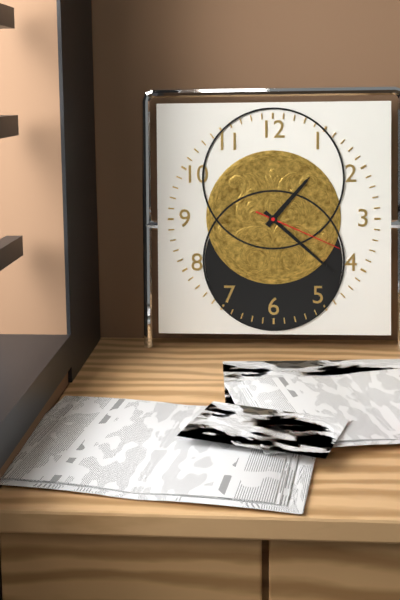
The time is 1:22:19
